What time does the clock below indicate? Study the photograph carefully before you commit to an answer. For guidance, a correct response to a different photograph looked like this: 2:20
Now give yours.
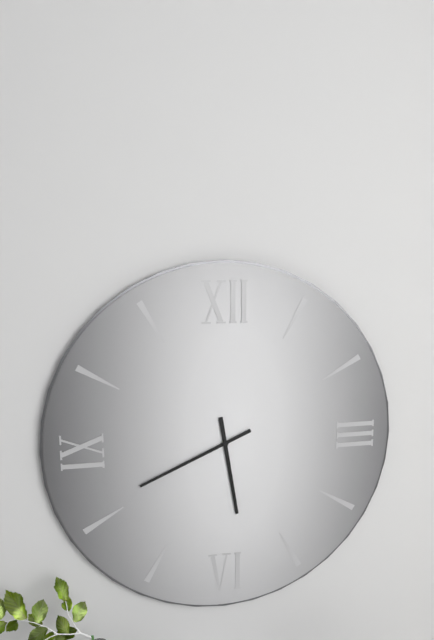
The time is 5:41
